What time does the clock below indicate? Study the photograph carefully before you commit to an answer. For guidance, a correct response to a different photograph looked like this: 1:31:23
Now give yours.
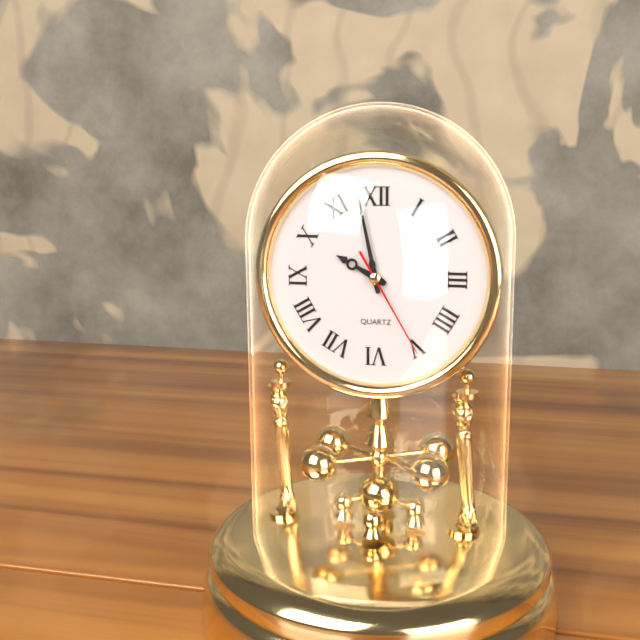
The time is 9:58:25
